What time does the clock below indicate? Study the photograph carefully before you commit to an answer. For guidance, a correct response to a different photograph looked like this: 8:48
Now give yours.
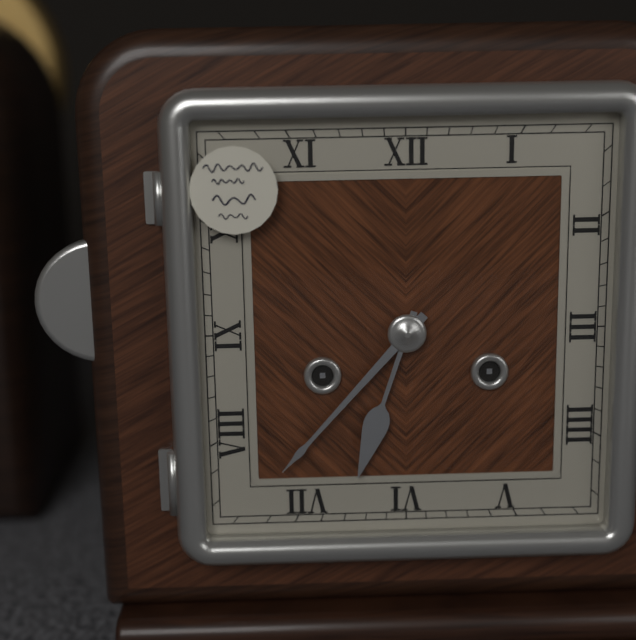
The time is 6:37
